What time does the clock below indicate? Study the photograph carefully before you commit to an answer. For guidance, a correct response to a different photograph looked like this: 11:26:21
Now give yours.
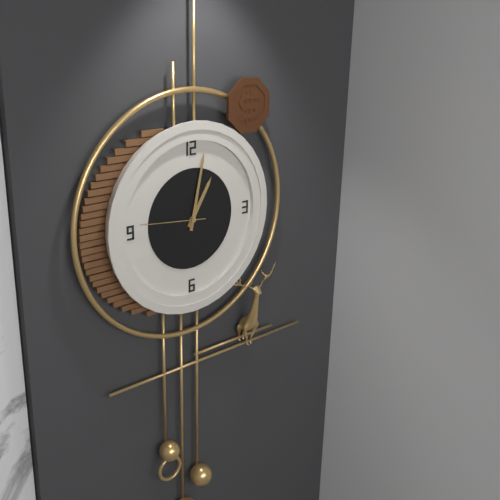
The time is 1:02:46
